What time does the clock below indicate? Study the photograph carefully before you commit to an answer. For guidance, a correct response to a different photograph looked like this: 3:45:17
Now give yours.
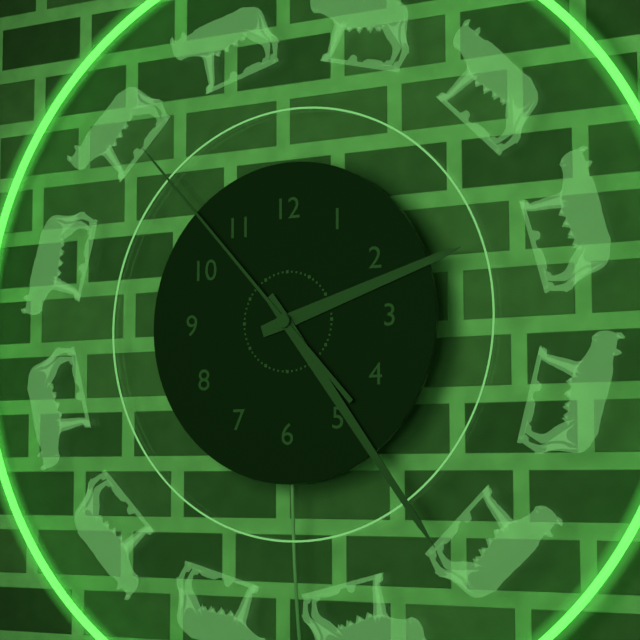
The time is 2:24:53
